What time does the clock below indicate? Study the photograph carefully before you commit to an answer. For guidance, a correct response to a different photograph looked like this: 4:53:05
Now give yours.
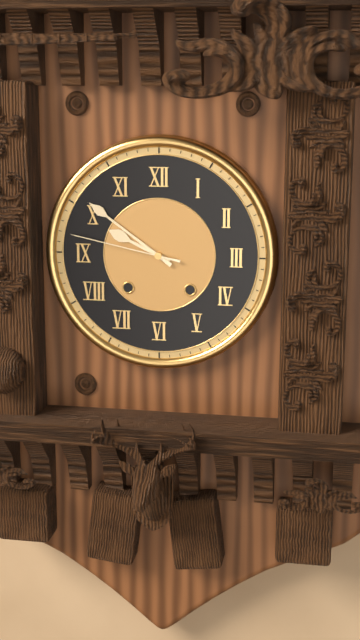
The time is 9:51:47
